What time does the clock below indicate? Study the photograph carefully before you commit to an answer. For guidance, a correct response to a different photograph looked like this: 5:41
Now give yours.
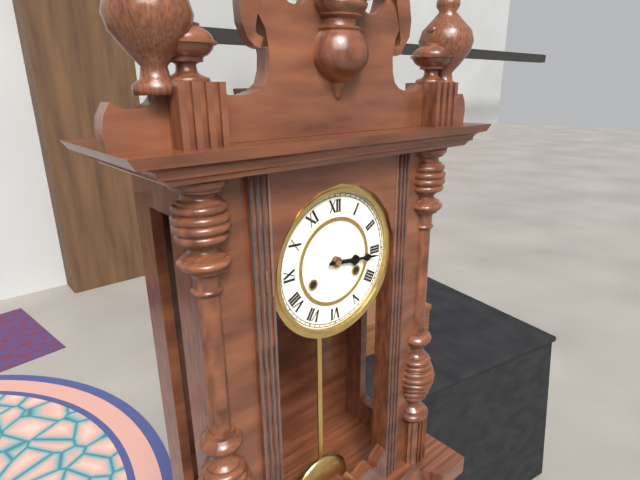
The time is 3:16
